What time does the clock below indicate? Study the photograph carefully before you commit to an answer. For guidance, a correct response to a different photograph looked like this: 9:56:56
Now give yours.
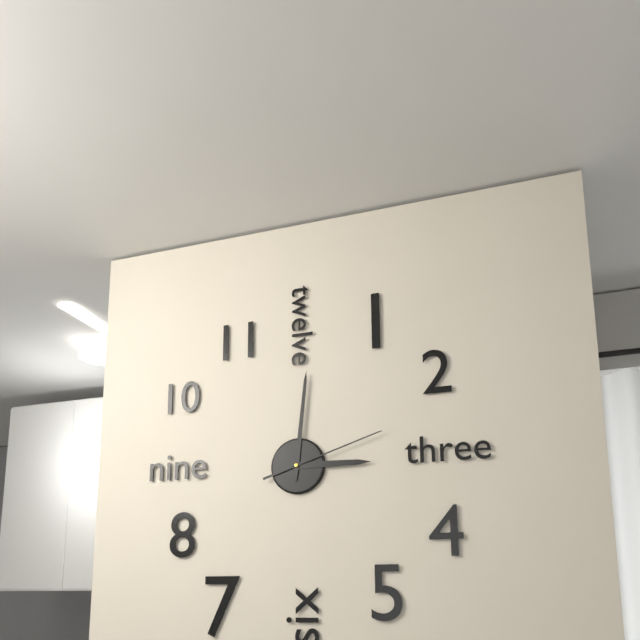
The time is 3:01:12
